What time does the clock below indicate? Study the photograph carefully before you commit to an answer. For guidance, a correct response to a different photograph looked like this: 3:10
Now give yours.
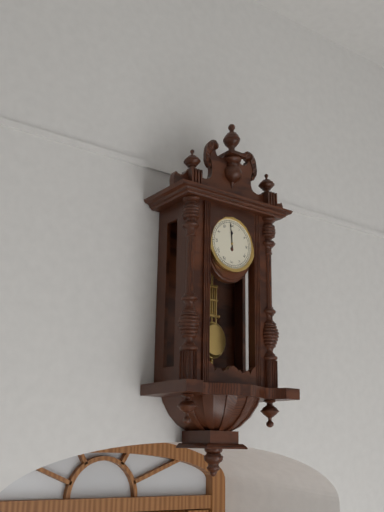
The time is 11:59
